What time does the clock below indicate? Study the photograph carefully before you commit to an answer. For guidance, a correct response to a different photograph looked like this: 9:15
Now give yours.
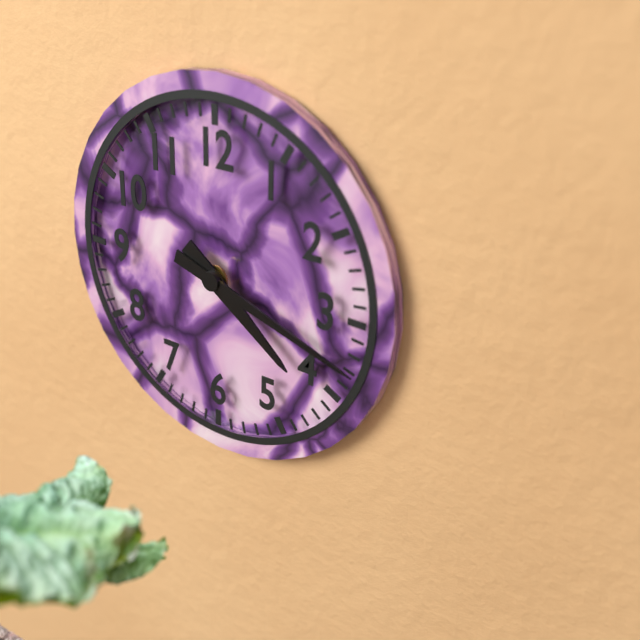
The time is 4:18
